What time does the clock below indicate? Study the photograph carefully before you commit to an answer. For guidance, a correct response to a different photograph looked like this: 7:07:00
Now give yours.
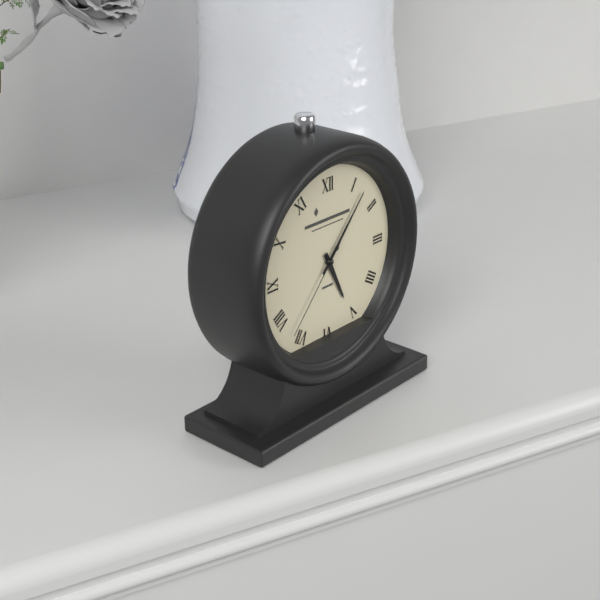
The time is 5:07:37
